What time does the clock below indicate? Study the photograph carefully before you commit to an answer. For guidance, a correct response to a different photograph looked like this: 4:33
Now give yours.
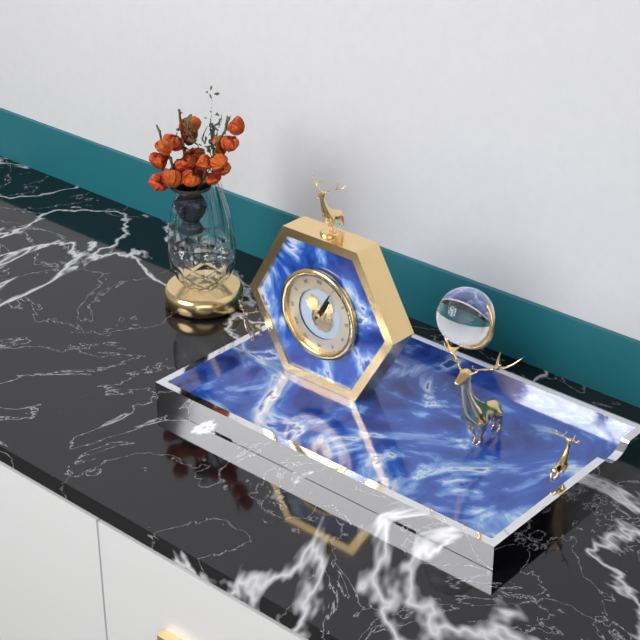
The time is 1:05
